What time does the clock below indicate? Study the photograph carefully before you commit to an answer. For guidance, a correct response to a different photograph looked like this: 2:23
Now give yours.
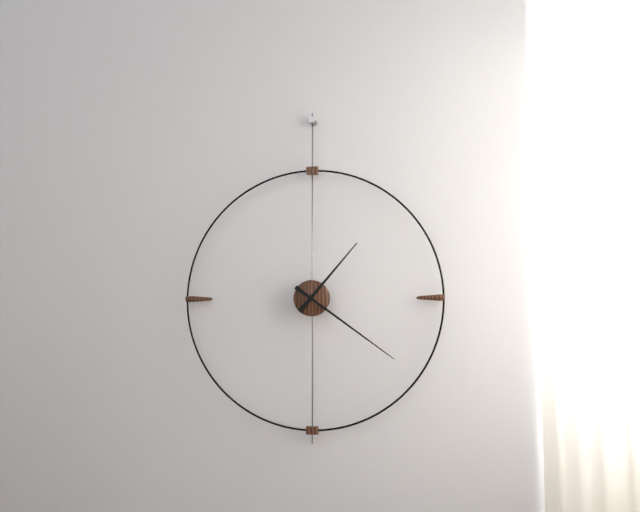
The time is 1:21
